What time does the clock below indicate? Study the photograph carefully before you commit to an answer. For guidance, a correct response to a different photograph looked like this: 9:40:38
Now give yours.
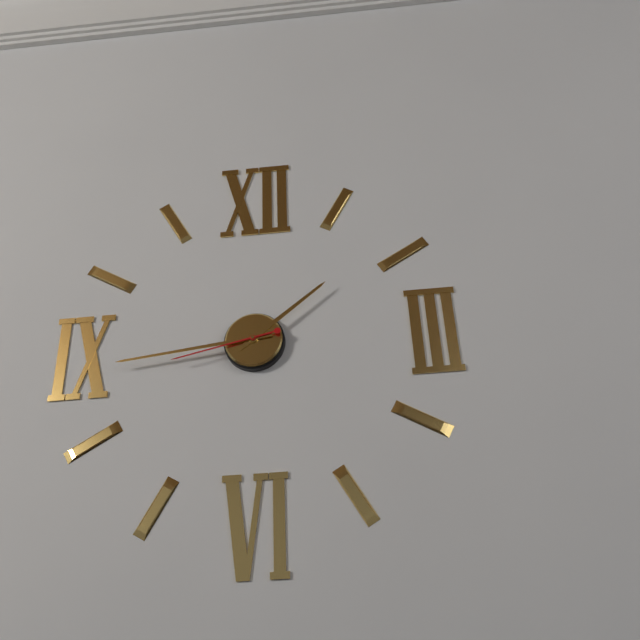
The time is 1:44:43
